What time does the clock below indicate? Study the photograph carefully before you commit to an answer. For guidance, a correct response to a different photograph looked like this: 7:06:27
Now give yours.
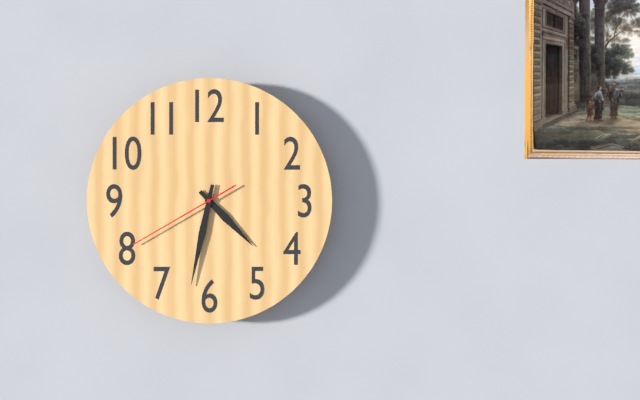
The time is 4:32:40
